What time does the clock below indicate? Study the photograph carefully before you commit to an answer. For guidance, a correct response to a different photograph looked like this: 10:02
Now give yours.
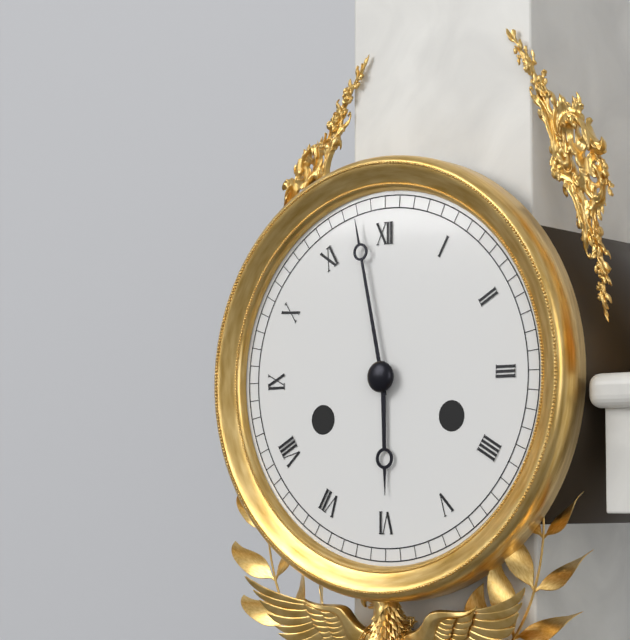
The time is 5:58
